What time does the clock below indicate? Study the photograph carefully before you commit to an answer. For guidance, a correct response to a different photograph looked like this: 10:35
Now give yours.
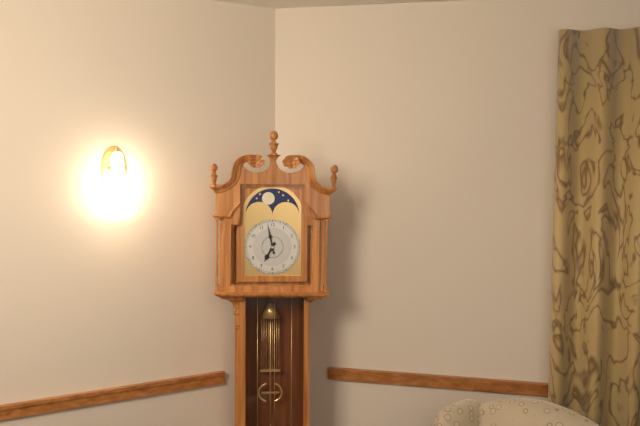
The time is 6:58
